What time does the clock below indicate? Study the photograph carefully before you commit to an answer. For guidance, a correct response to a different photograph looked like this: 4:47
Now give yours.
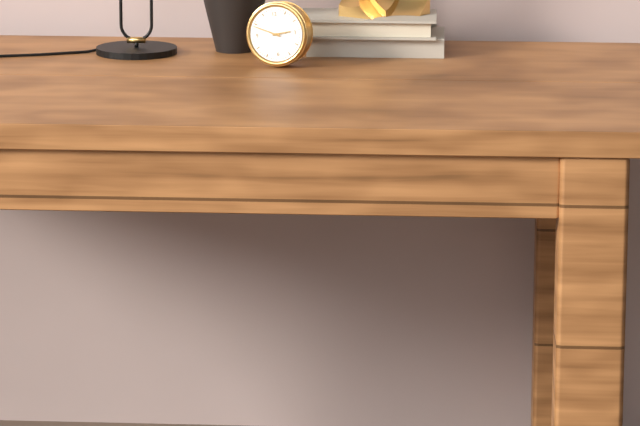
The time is 2:49
